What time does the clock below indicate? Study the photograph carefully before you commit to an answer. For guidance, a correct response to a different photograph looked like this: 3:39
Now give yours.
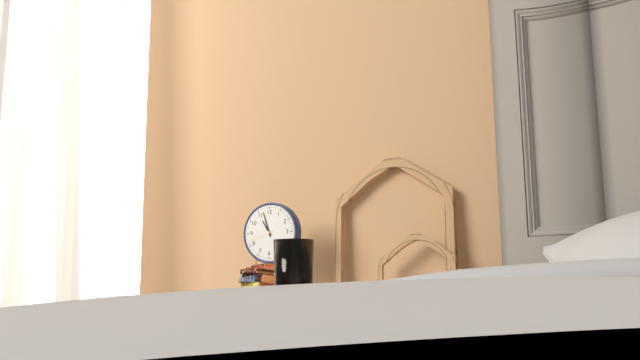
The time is 10:57
